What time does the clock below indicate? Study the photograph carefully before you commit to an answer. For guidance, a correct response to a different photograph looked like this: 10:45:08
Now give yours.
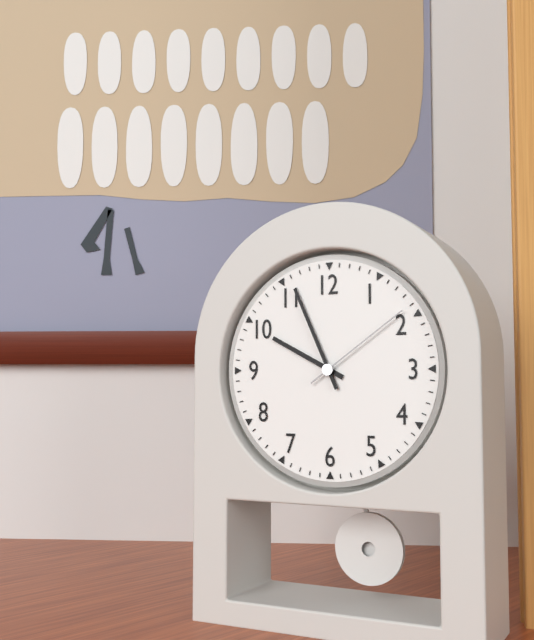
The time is 9:56:09
